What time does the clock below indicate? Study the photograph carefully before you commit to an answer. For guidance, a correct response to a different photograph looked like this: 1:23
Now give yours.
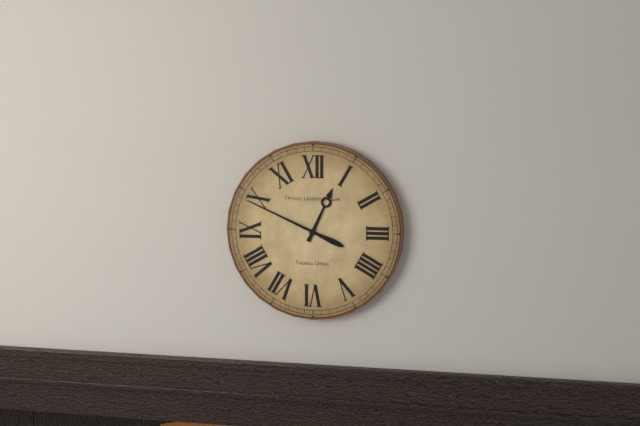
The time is 12:49
